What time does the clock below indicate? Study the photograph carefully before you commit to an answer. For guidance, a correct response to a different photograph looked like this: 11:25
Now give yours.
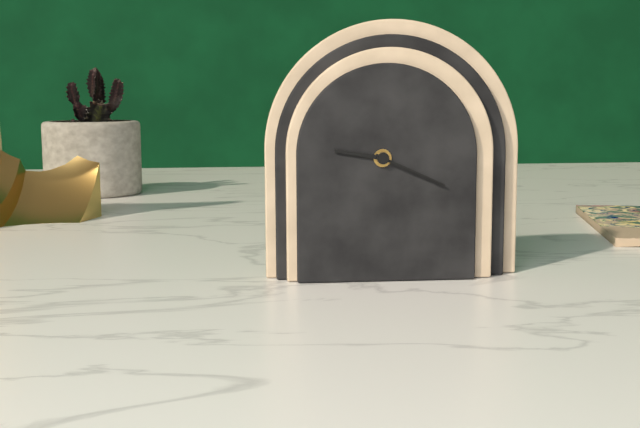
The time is 9:19
